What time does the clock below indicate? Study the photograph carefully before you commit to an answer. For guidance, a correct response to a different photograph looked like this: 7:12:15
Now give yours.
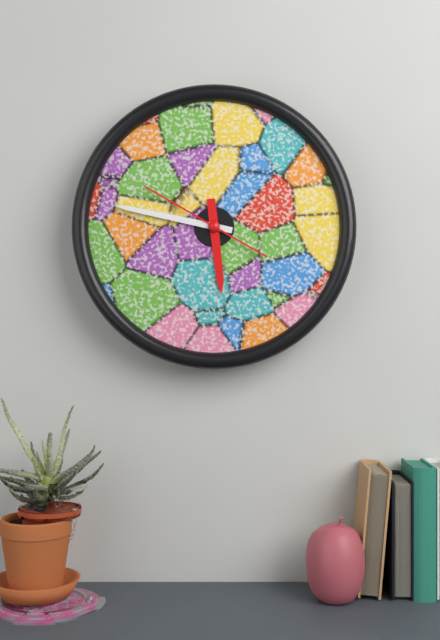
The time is 5:47:50
